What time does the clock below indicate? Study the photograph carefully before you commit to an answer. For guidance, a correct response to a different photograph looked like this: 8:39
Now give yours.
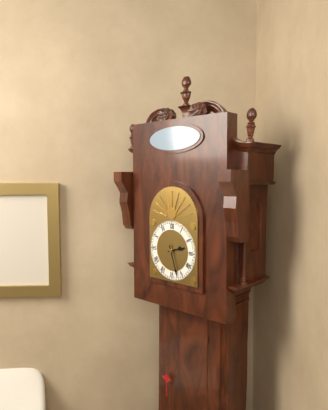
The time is 2:27
